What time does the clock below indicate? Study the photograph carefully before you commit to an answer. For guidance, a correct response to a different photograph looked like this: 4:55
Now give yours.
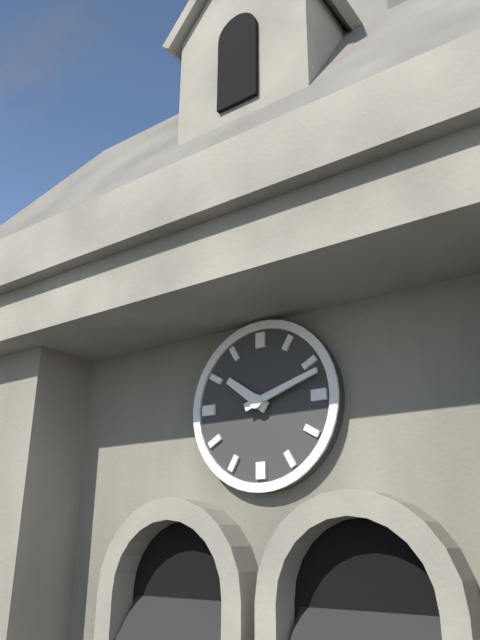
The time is 10:12
